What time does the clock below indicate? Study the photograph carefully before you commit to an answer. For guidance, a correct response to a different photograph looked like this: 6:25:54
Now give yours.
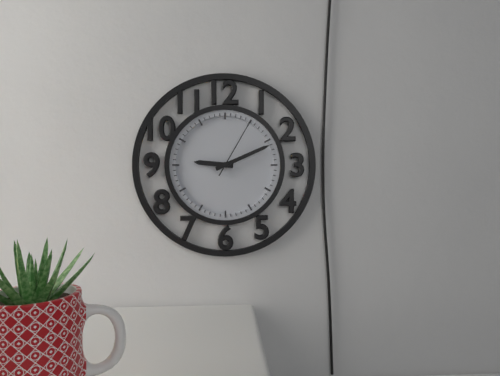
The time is 9:11:05
